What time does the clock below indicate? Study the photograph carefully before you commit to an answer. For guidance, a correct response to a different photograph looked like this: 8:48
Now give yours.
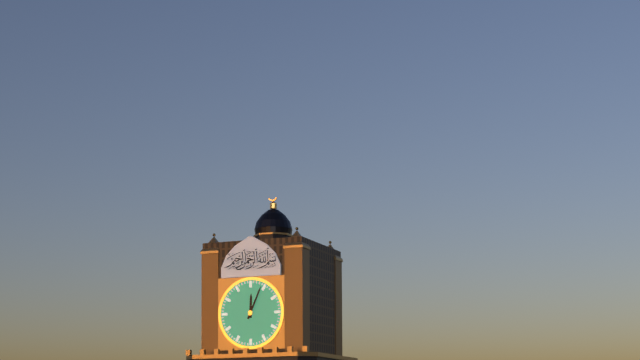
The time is 12:04
